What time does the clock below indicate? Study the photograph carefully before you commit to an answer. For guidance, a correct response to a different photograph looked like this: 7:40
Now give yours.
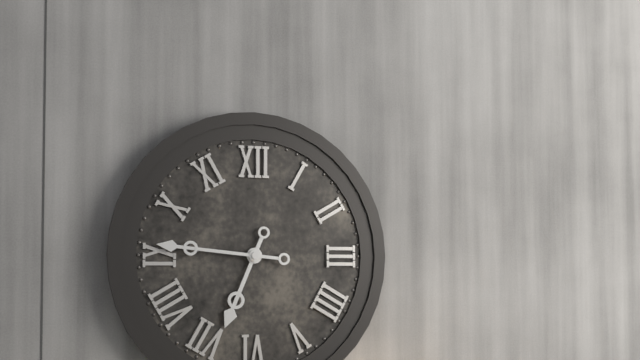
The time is 6:46
